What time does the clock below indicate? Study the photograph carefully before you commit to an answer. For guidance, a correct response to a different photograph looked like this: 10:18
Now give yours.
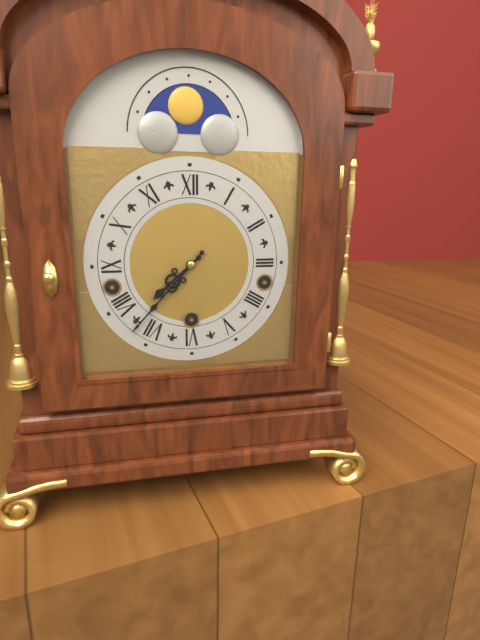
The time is 7:37
